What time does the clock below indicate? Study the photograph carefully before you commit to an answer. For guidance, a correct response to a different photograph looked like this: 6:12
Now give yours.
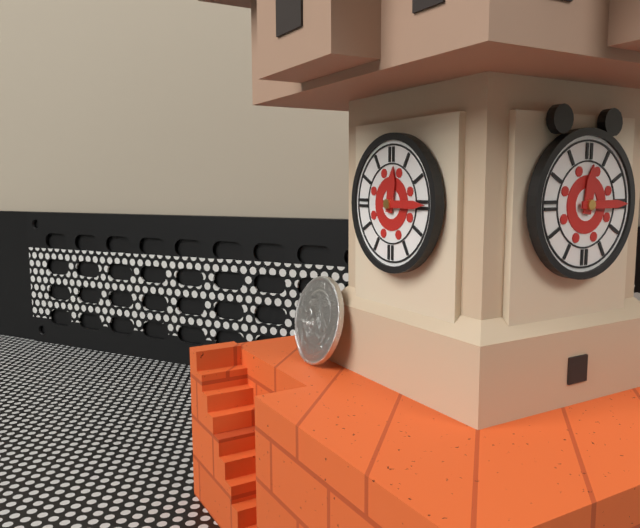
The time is 12:15
